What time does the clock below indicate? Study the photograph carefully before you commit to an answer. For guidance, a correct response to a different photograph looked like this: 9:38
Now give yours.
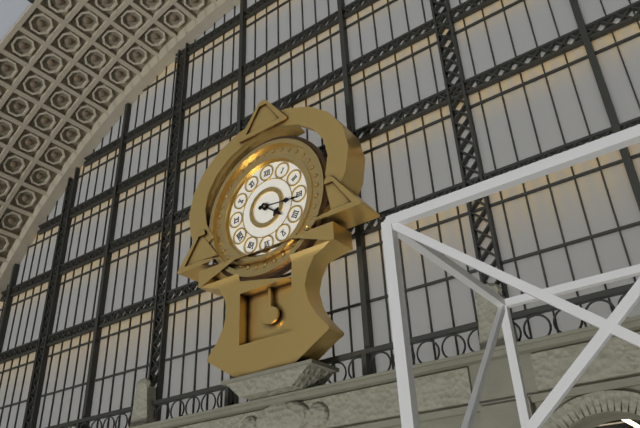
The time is 4:16
